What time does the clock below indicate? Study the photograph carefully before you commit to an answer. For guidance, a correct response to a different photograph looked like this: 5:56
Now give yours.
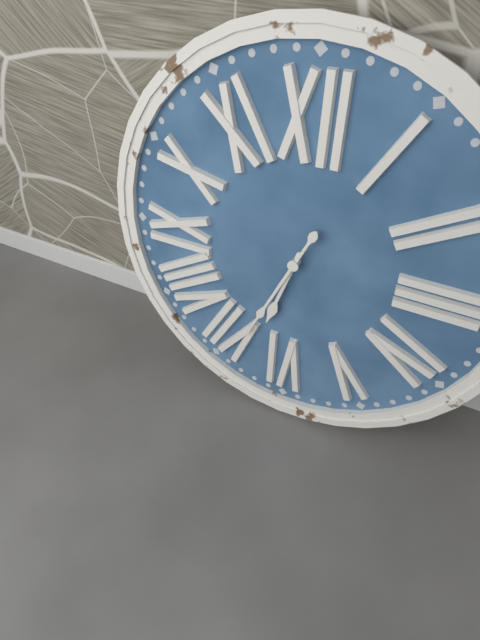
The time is 6:34
